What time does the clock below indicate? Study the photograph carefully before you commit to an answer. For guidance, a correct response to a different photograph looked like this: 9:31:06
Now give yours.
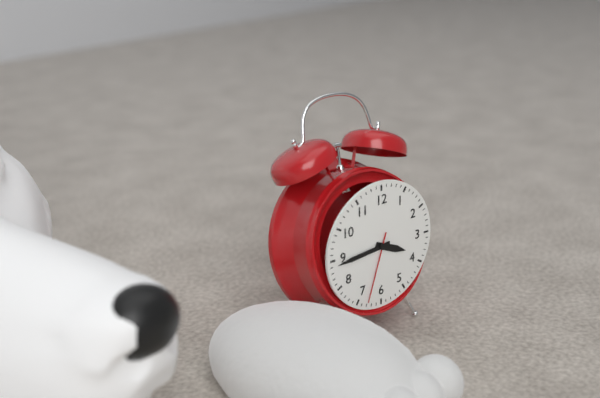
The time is 3:44:33
